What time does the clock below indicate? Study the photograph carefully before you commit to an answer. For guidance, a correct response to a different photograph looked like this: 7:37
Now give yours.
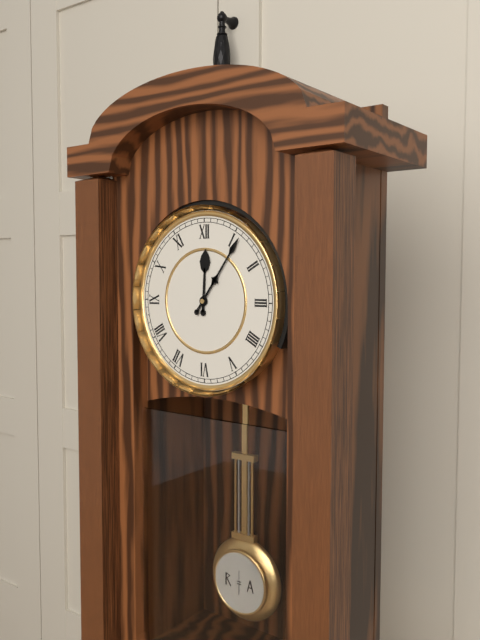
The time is 12:06
